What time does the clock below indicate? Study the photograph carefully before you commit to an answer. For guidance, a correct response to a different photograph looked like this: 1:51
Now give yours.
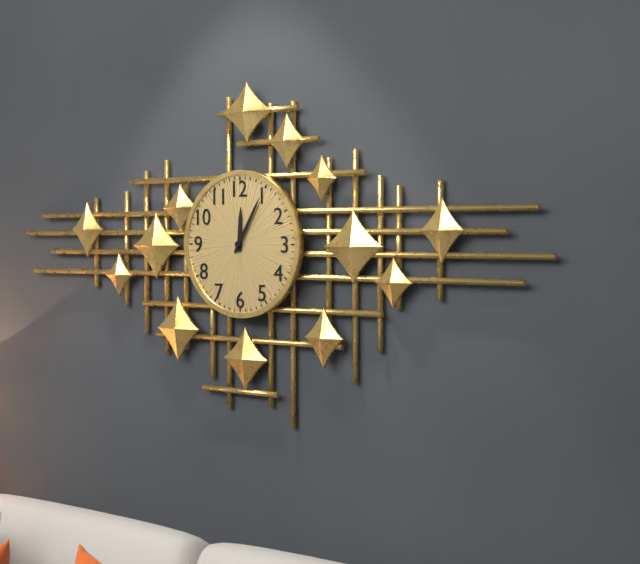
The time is 12:05
